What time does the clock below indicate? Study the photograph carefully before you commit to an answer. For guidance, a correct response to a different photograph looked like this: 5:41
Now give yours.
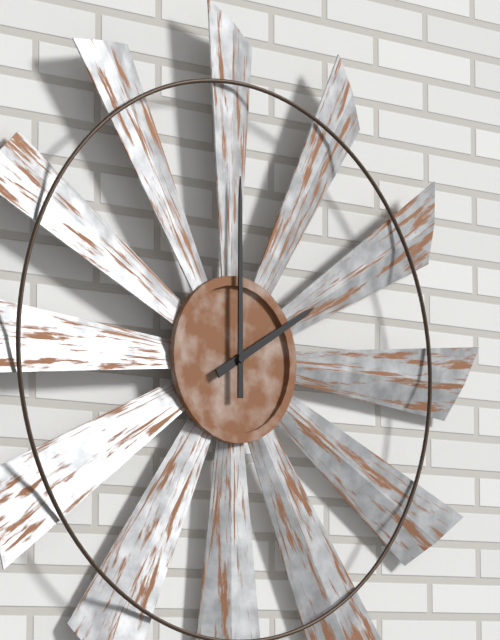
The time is 2:00
